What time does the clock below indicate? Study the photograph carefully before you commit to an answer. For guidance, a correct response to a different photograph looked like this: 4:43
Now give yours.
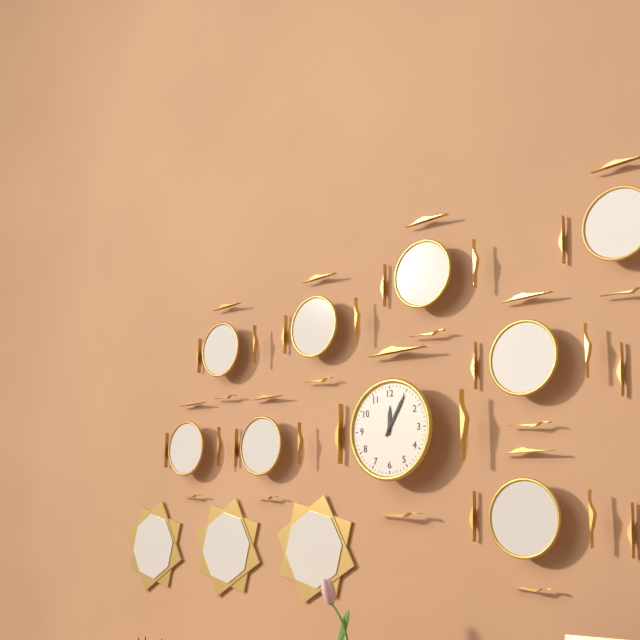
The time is 12:05
